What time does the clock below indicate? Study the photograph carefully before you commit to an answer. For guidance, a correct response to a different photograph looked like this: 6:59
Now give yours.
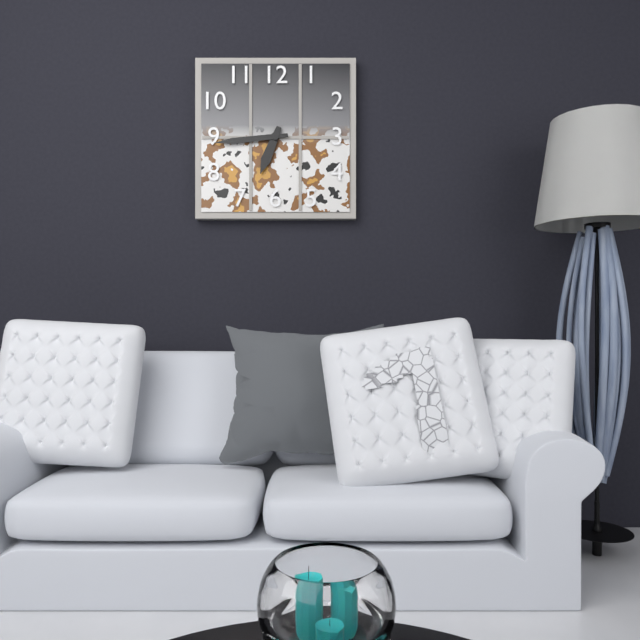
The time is 6:44
